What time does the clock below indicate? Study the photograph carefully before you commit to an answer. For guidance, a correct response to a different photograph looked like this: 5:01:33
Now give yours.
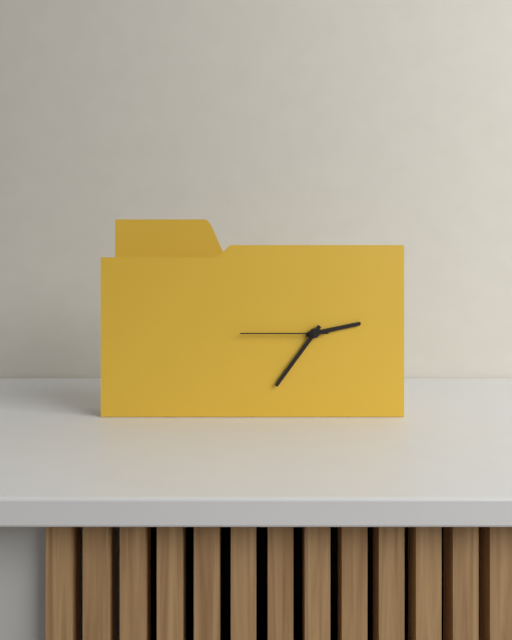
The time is 2:36:45
